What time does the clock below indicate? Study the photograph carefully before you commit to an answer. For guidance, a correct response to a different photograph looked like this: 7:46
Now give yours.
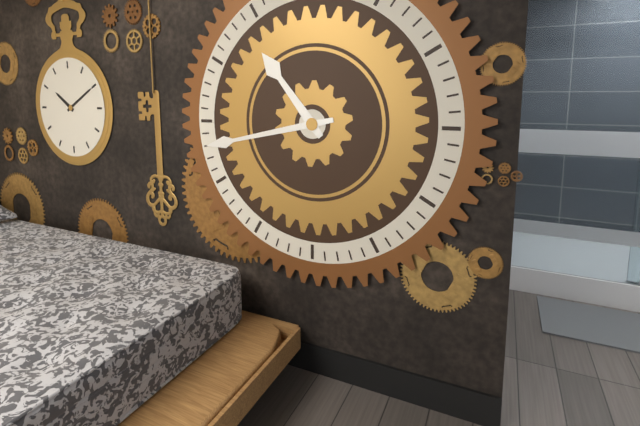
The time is 10:43
